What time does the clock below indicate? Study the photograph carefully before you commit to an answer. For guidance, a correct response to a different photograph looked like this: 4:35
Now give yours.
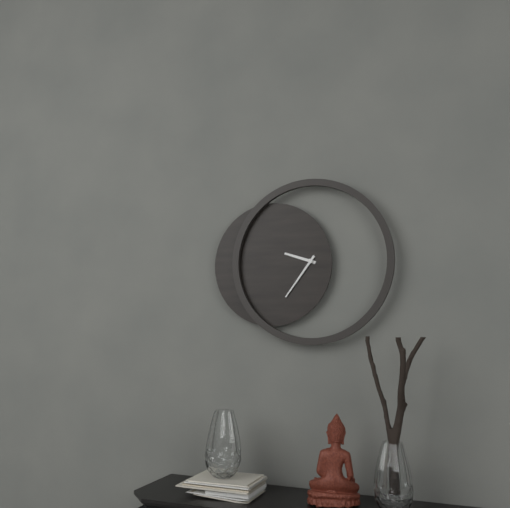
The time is 9:36
